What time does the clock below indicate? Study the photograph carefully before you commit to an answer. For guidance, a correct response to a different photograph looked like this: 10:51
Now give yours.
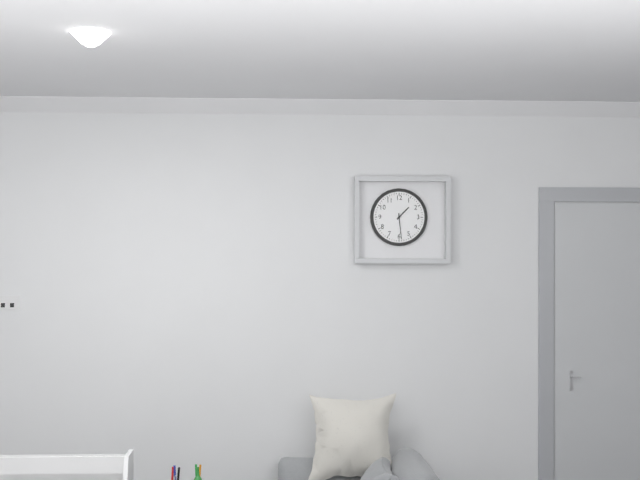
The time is 1:29
